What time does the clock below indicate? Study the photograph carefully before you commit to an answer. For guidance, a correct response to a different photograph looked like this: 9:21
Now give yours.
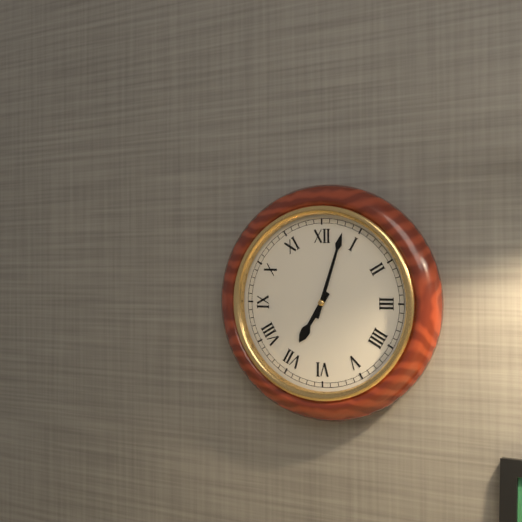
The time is 7:03
